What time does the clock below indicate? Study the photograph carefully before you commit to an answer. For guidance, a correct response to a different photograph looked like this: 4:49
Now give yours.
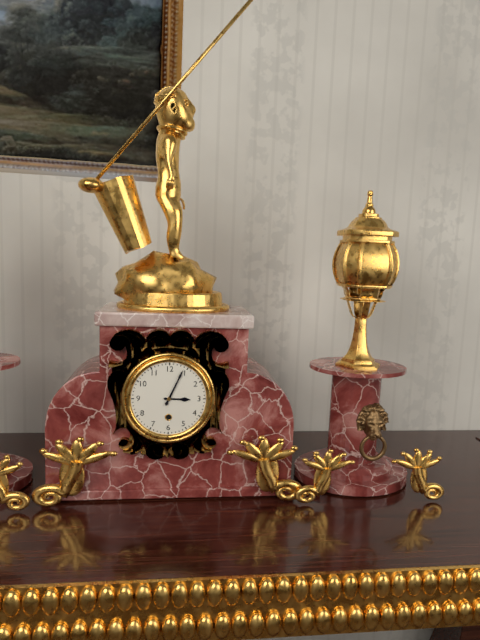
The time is 3:04
